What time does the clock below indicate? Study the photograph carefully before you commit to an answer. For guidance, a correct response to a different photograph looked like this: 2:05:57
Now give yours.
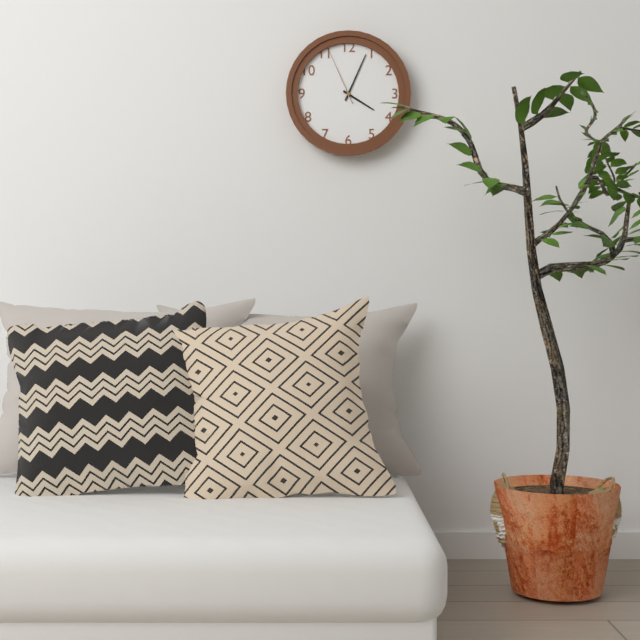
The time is 4:04:56
